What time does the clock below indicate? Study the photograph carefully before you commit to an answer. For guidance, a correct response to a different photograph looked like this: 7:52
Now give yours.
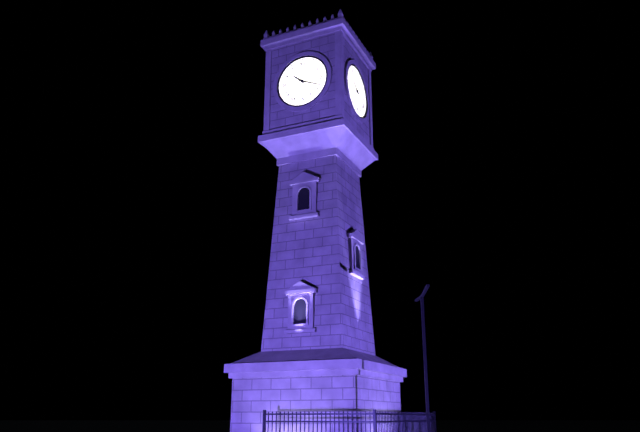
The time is 10:19
